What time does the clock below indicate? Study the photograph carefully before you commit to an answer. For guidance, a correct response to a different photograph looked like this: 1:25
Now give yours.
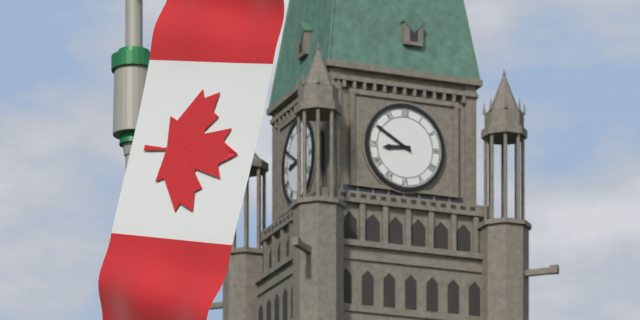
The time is 8:50
